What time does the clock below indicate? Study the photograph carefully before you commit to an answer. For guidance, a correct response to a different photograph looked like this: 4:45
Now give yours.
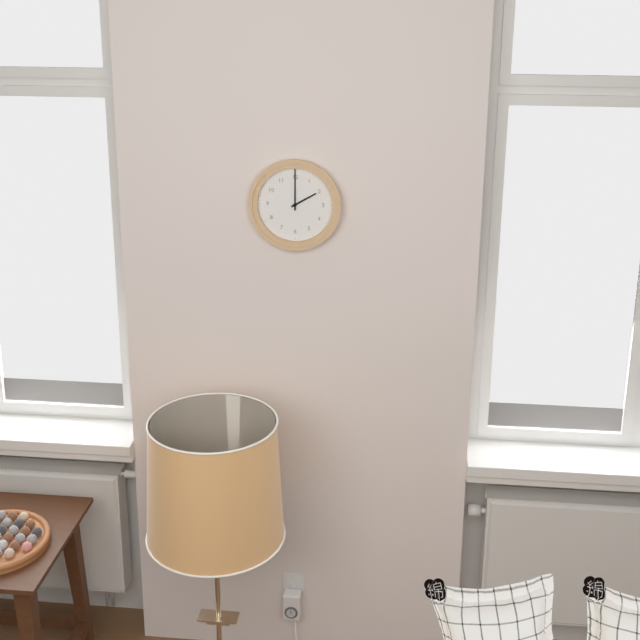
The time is 2:00
